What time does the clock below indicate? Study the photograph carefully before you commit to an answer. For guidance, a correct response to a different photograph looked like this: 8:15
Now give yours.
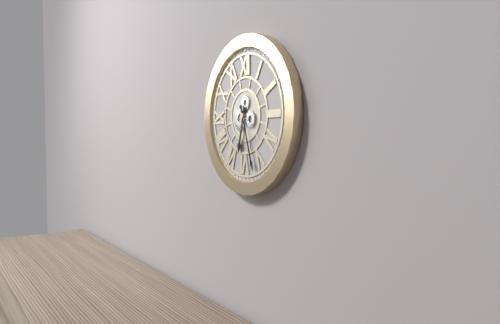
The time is 6:27
